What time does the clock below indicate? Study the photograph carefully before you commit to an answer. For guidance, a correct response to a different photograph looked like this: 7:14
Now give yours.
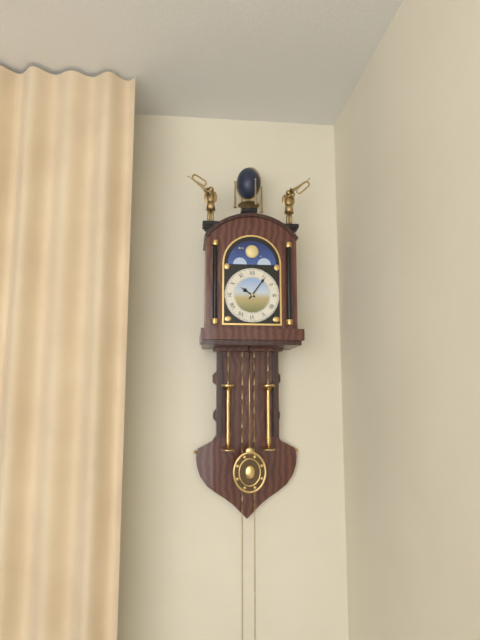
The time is 10:06
